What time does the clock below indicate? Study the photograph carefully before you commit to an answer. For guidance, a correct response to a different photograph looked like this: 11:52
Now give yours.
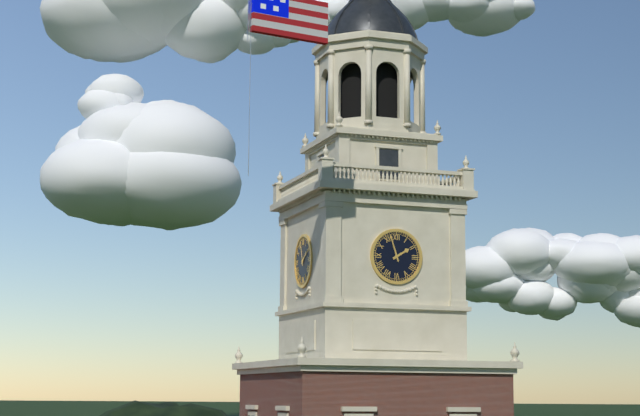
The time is 1:57
